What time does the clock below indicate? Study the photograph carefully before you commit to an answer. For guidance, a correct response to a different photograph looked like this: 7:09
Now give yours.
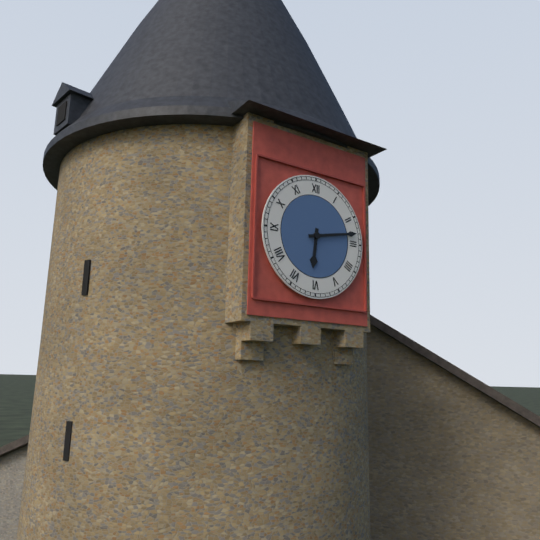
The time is 6:13
